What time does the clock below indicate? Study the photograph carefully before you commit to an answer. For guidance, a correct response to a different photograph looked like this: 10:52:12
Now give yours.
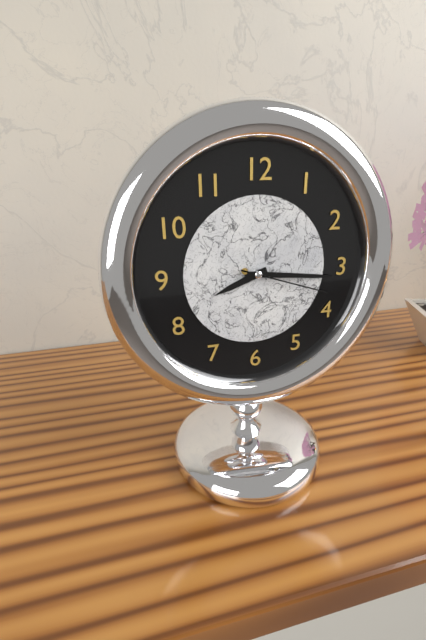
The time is 8:16:18
